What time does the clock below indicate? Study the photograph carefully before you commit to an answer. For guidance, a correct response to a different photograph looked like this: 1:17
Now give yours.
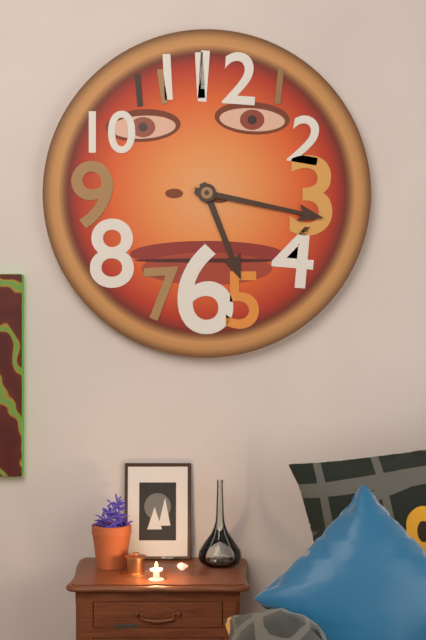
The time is 5:17
